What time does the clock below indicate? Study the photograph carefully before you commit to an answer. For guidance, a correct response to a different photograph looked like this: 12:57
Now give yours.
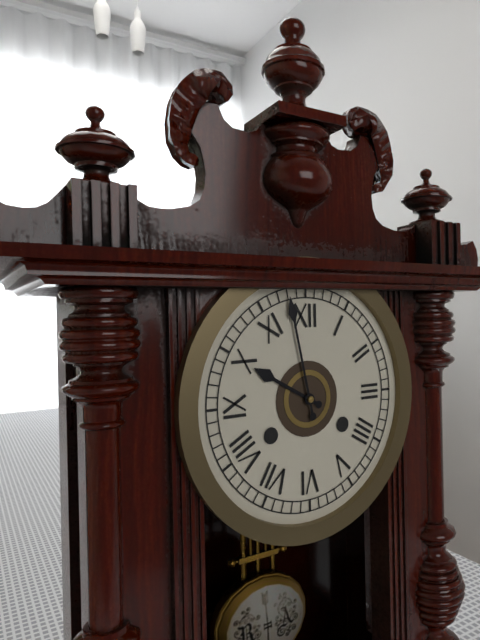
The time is 9:58
